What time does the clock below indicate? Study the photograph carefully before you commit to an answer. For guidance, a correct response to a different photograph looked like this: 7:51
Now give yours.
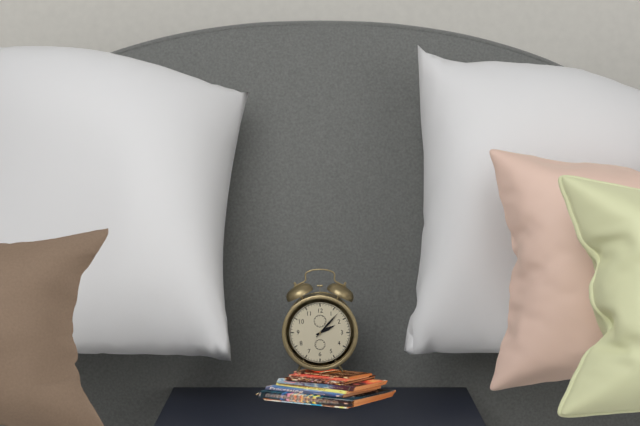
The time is 2:07
